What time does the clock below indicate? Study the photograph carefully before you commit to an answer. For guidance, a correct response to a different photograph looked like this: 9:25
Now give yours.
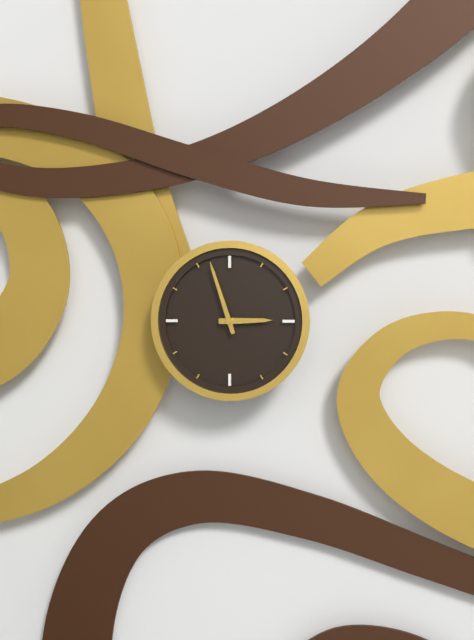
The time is 2:57
